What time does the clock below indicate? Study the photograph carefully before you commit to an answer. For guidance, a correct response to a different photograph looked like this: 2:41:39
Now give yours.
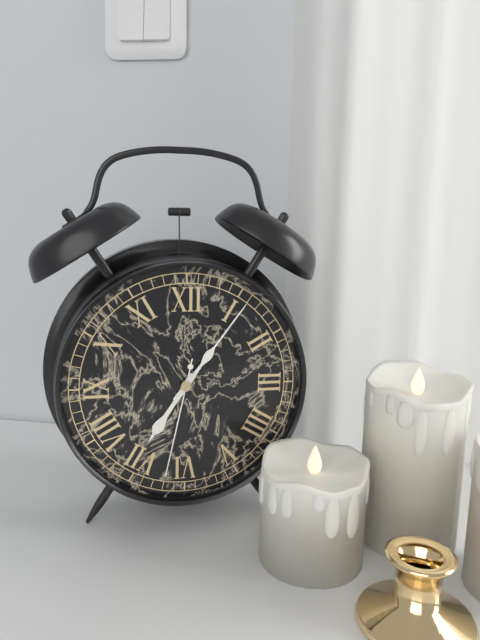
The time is 7:06:32
